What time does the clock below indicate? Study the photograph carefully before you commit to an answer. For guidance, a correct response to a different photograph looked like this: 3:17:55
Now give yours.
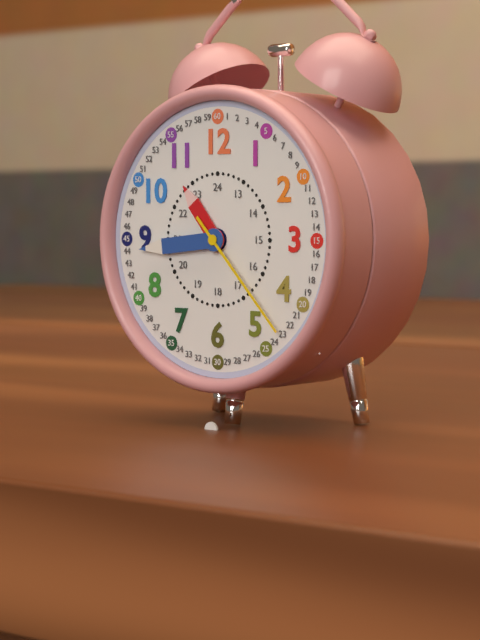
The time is 10:44:23
